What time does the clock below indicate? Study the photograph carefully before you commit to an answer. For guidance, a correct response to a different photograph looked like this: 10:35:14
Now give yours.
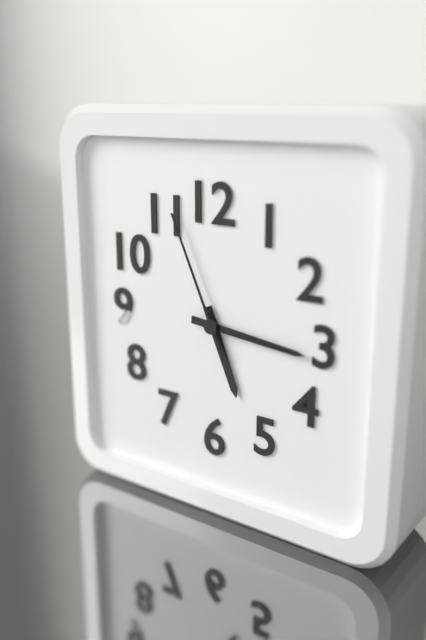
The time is 5:16:56
